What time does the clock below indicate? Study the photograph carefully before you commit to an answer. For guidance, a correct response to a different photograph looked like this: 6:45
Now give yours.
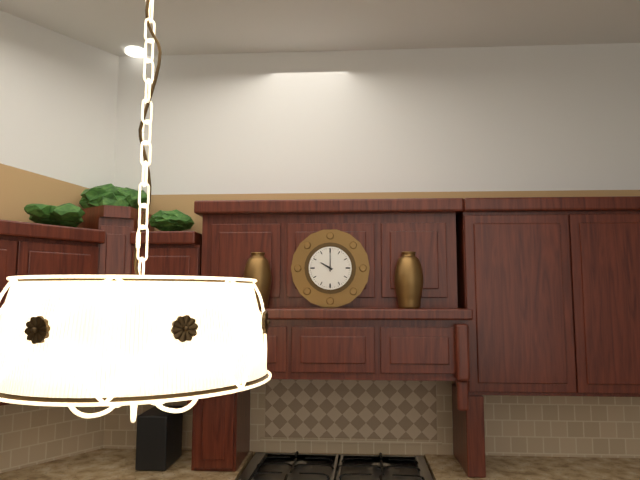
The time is 10:00
